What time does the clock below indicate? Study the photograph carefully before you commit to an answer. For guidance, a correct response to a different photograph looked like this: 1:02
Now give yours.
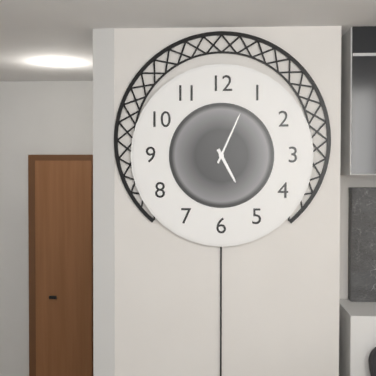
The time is 5:04
